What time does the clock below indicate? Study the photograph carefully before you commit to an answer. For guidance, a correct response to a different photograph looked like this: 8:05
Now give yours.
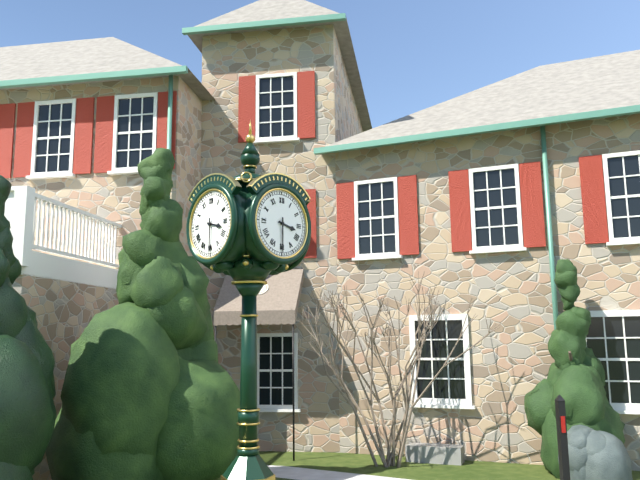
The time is 3:30
